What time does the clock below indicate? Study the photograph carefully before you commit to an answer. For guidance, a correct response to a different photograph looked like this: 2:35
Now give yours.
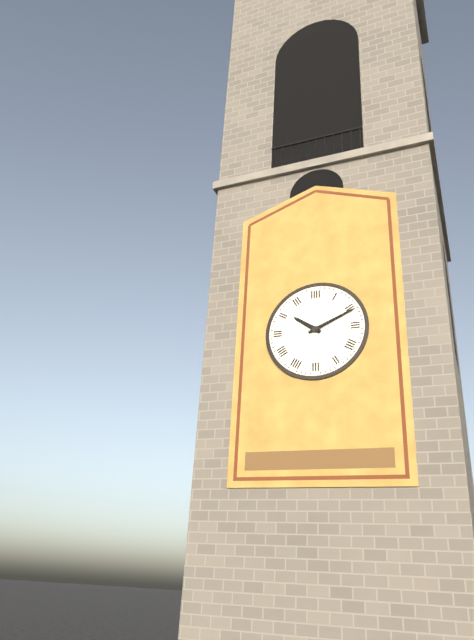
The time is 10:11
